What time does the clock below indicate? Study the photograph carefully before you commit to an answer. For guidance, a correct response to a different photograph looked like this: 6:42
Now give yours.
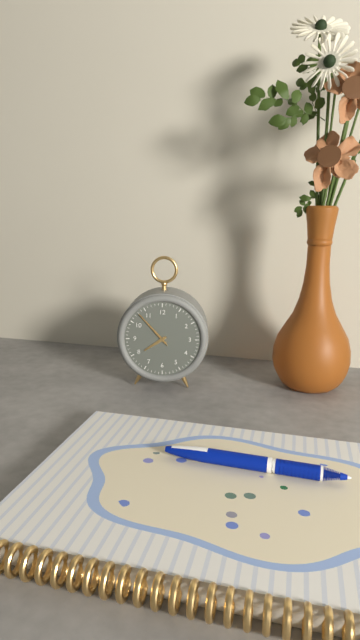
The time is 7:53
